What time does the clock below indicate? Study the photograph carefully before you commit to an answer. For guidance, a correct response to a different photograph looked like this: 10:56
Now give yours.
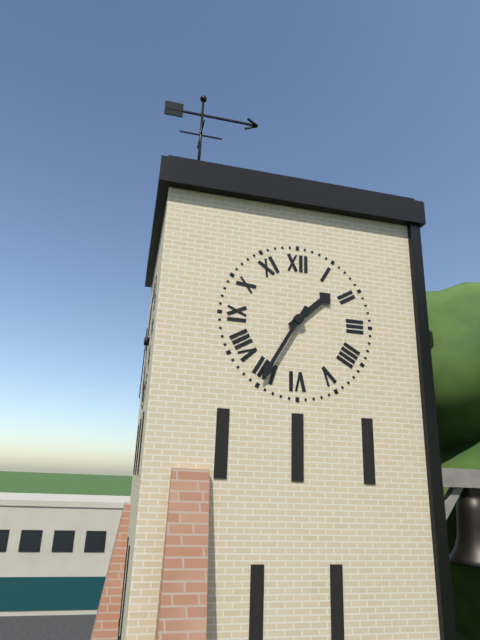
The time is 1:35
